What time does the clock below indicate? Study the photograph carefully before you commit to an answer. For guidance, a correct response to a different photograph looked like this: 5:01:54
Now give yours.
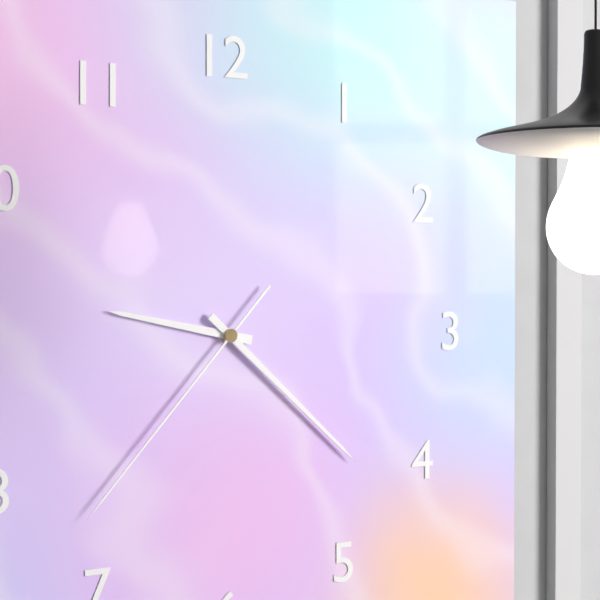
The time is 9:22:37
